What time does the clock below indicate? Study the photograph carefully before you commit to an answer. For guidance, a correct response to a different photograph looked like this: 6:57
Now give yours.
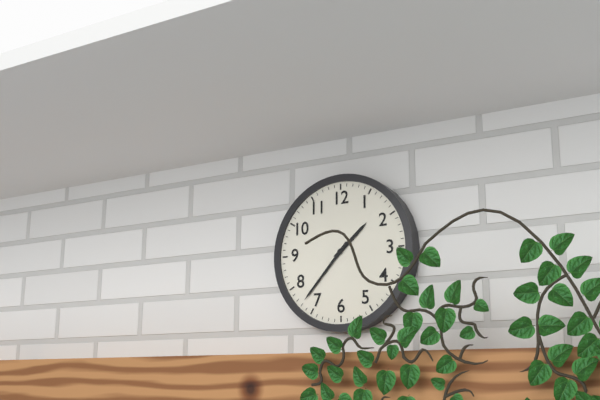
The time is 1:37
